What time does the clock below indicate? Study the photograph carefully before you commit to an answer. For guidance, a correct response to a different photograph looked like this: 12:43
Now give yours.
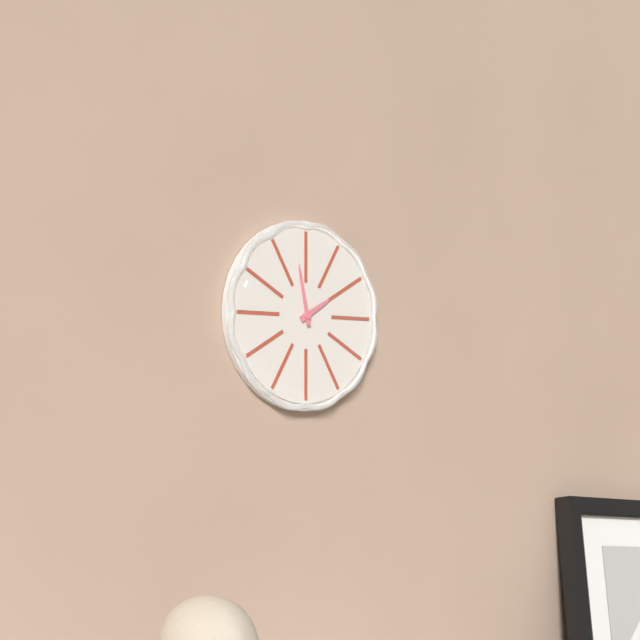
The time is 1:58
